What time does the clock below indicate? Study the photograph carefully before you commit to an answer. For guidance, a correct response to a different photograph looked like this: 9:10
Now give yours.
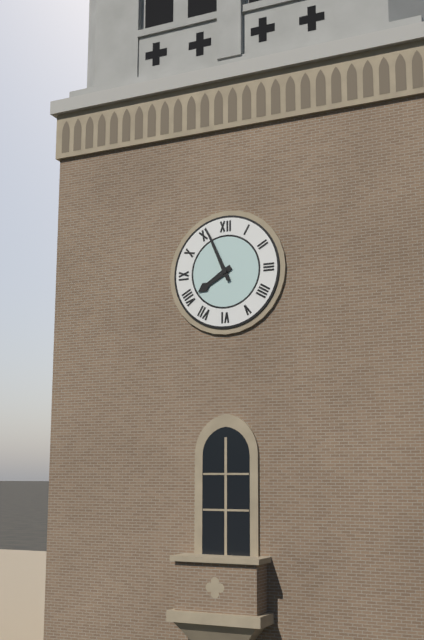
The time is 7:56
